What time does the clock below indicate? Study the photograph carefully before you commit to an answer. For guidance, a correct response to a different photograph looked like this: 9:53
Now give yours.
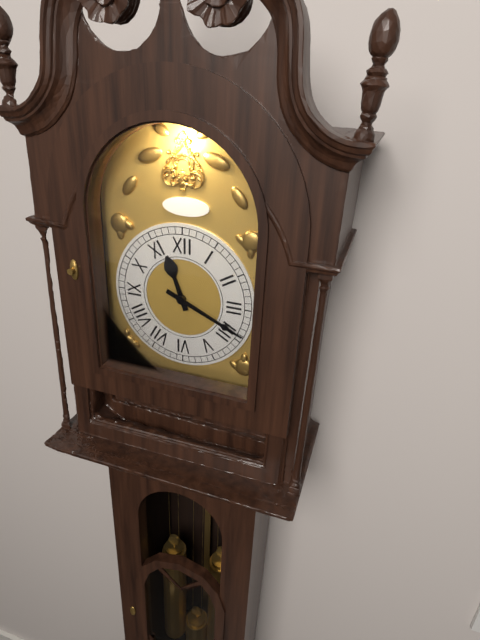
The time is 11:19
